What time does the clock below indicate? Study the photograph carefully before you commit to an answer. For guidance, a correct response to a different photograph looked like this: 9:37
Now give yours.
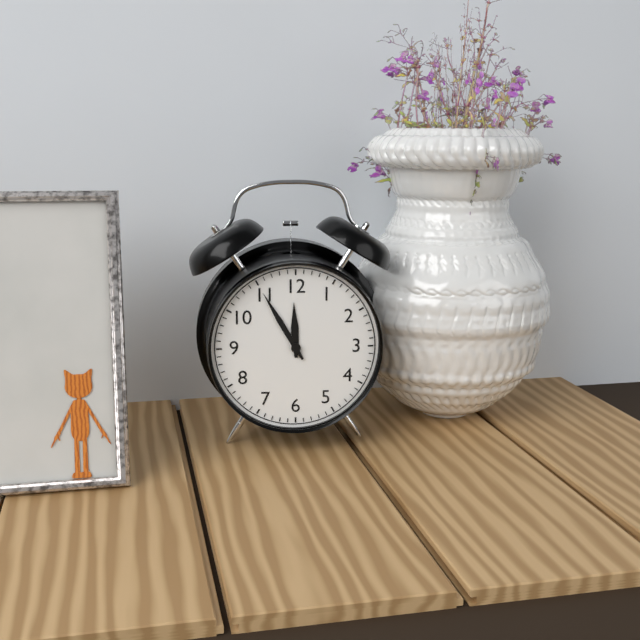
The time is 11:55
